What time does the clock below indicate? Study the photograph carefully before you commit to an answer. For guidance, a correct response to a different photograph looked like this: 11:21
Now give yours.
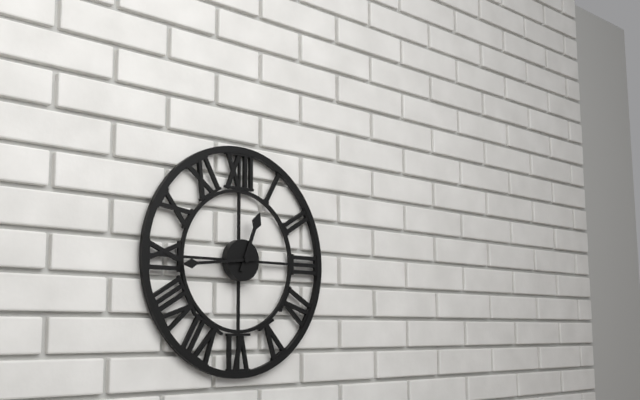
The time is 12:44
